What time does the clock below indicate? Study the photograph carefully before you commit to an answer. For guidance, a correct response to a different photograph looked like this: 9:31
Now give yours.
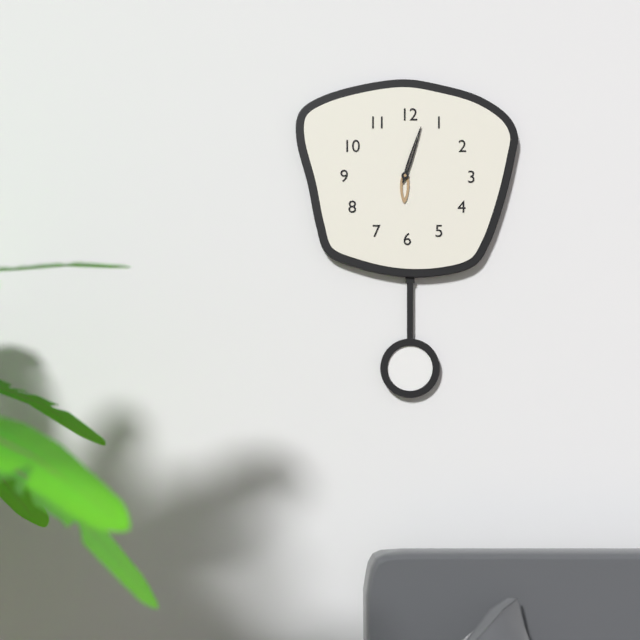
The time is 6:03
